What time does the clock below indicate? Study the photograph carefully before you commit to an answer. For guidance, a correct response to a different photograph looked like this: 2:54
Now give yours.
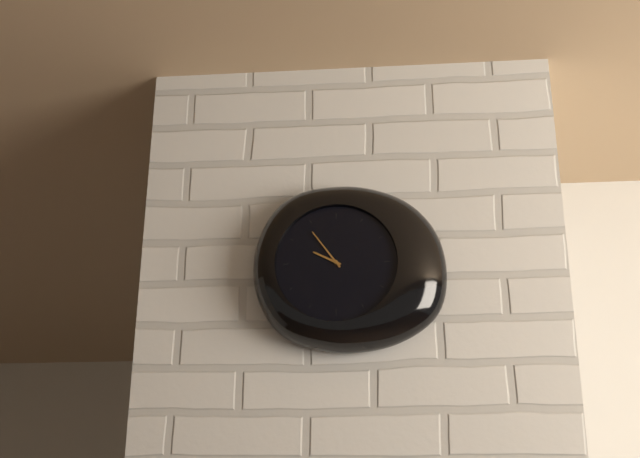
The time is 9:54
